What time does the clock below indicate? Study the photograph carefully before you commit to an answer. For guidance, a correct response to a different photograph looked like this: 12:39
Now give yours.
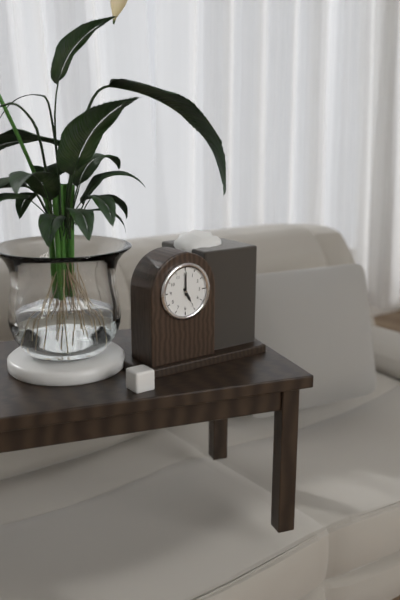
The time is 5:00
